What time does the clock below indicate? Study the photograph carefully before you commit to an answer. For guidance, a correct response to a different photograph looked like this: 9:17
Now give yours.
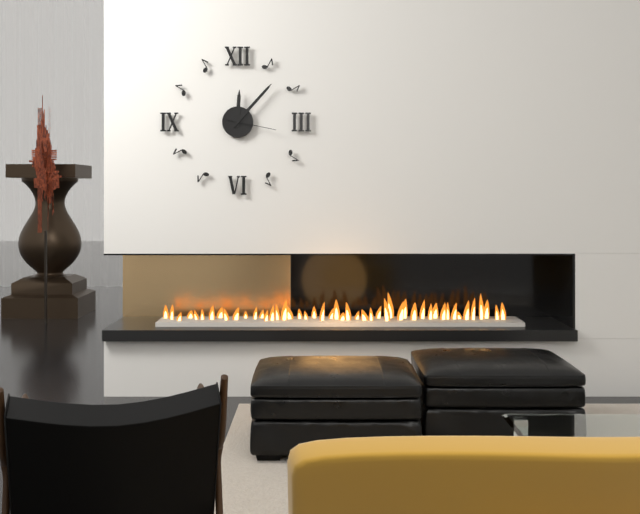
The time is 12:07
